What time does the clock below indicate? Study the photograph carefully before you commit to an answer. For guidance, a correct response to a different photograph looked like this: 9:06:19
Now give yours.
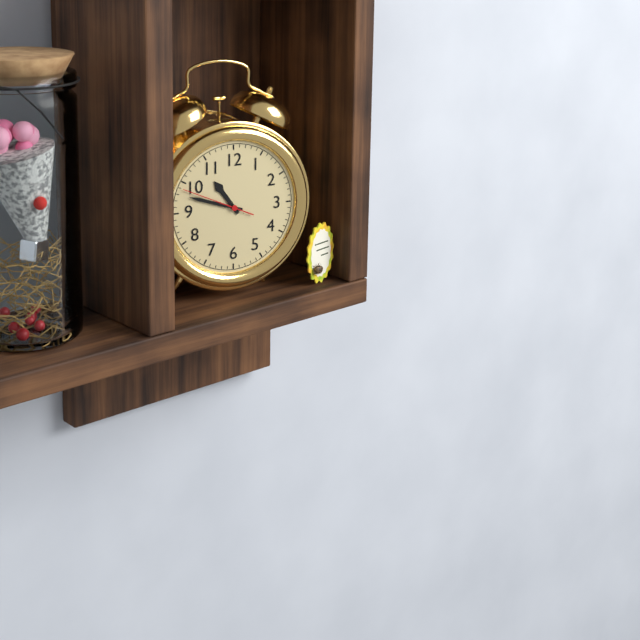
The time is 10:48:49
